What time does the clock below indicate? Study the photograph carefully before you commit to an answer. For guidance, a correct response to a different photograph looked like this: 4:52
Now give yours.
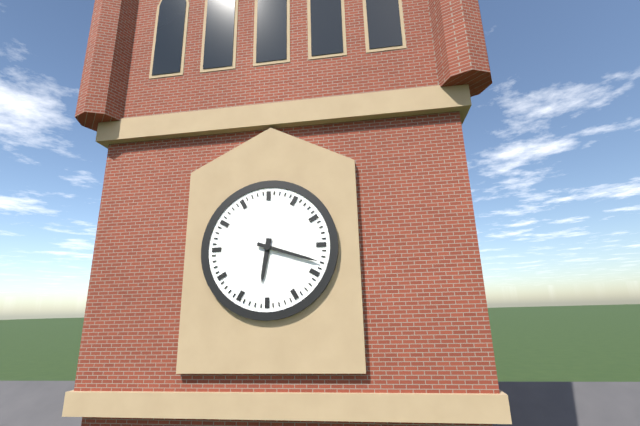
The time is 6:18
